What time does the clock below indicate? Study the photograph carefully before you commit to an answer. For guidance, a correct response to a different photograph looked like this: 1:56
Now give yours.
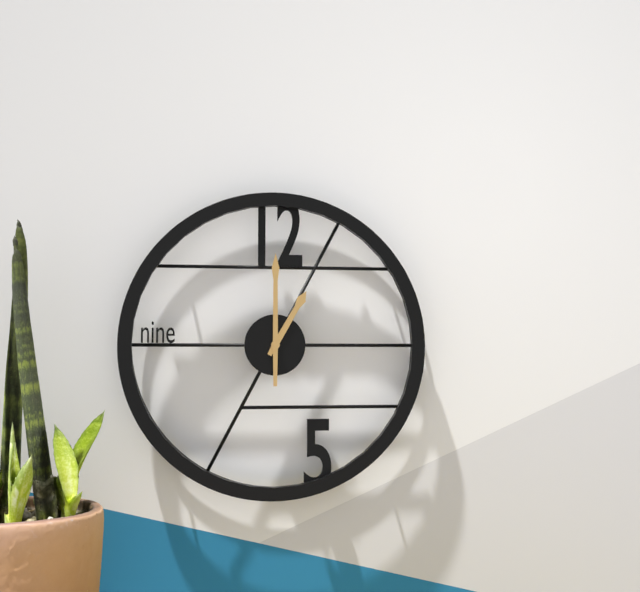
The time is 1:00
